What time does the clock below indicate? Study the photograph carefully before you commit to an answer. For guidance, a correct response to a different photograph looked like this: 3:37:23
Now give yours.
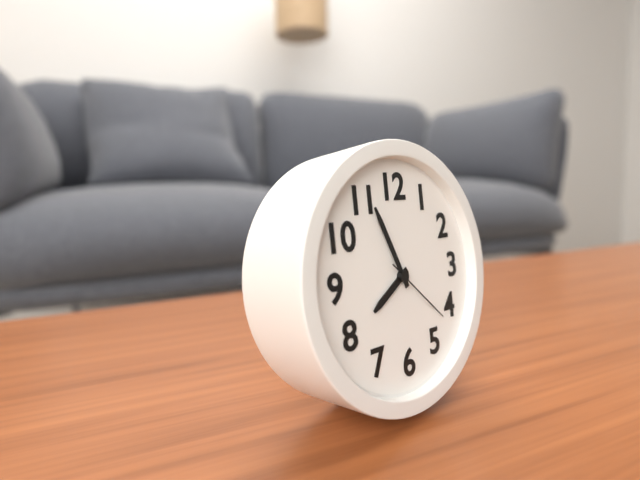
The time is 7:56:22
